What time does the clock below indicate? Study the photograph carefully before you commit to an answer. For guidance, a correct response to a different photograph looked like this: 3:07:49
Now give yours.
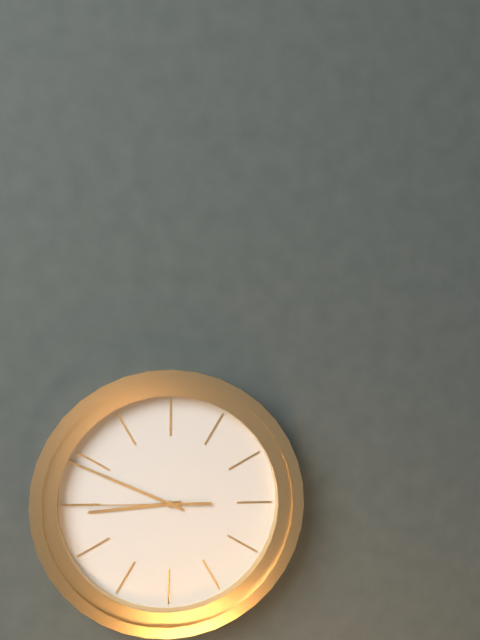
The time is 8:49:45
